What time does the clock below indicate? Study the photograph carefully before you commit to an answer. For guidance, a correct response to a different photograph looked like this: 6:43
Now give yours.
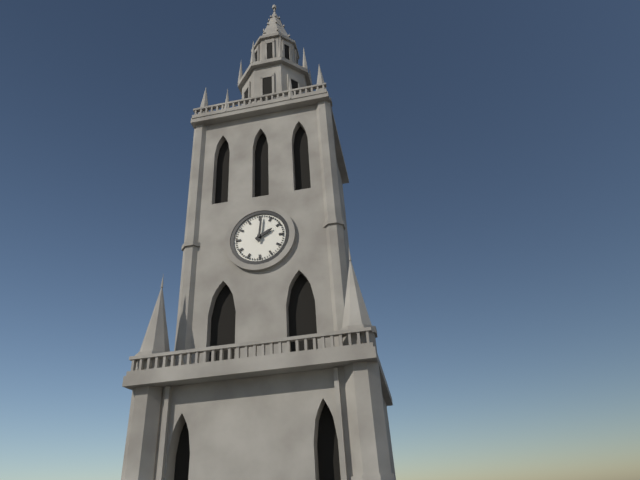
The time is 2:01
